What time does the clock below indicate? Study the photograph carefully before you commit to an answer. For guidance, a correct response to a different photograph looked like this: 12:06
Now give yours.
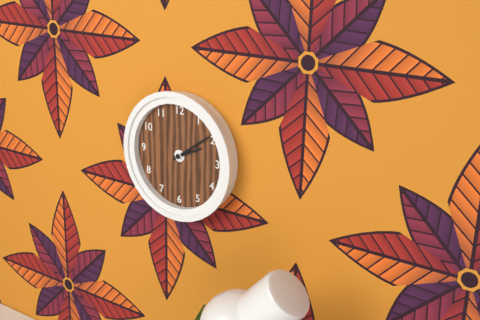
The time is 2:09
